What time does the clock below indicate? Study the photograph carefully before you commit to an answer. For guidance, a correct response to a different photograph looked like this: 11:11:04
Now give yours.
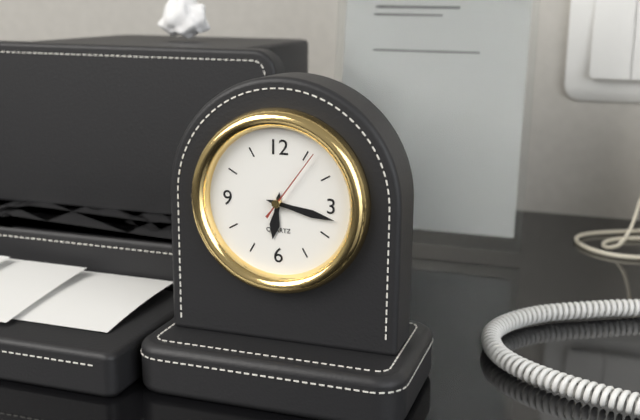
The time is 6:17:06
